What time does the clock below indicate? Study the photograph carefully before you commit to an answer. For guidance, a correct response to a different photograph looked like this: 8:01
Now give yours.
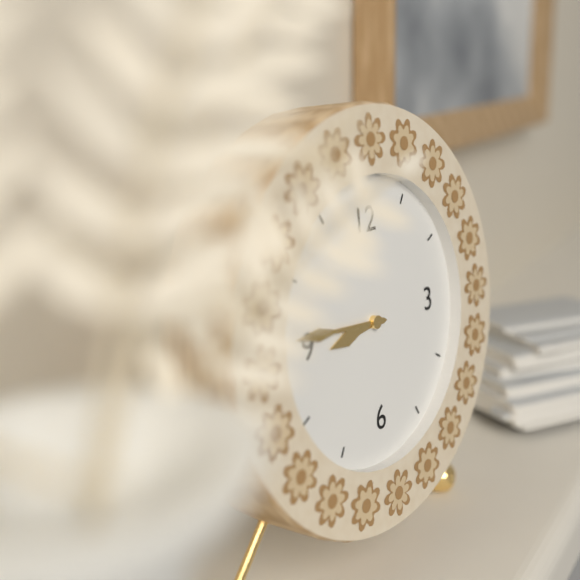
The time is 8:46
